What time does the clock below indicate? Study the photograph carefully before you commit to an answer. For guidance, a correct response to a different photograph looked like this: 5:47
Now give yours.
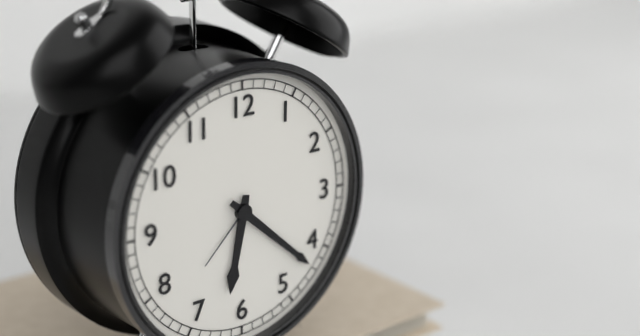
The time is 6:22
